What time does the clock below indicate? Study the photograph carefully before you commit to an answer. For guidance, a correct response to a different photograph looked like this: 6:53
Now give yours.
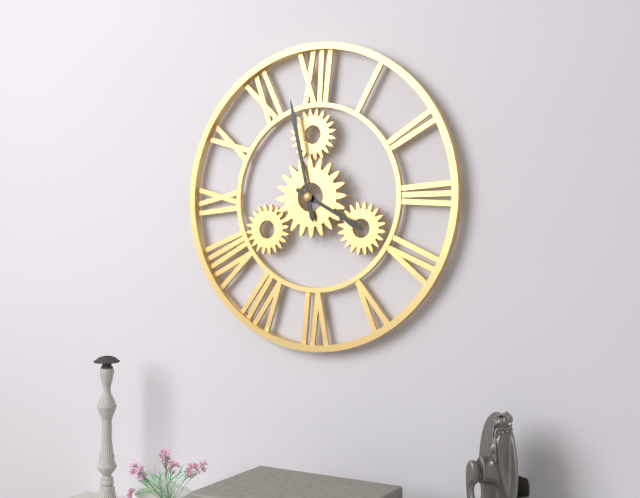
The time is 3:58
